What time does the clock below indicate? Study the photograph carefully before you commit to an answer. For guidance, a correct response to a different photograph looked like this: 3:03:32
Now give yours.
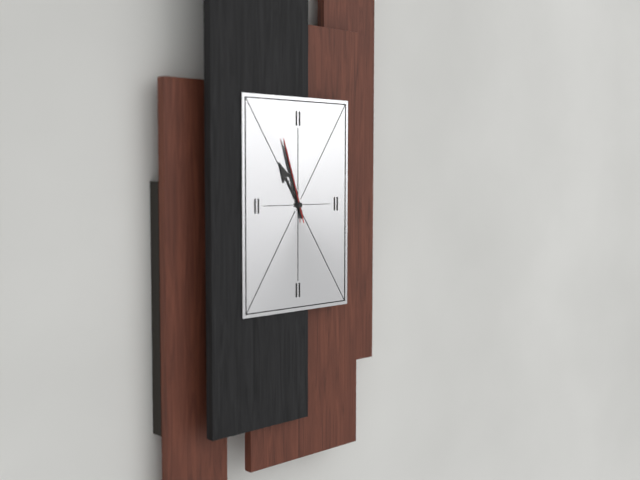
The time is 10:57:57
